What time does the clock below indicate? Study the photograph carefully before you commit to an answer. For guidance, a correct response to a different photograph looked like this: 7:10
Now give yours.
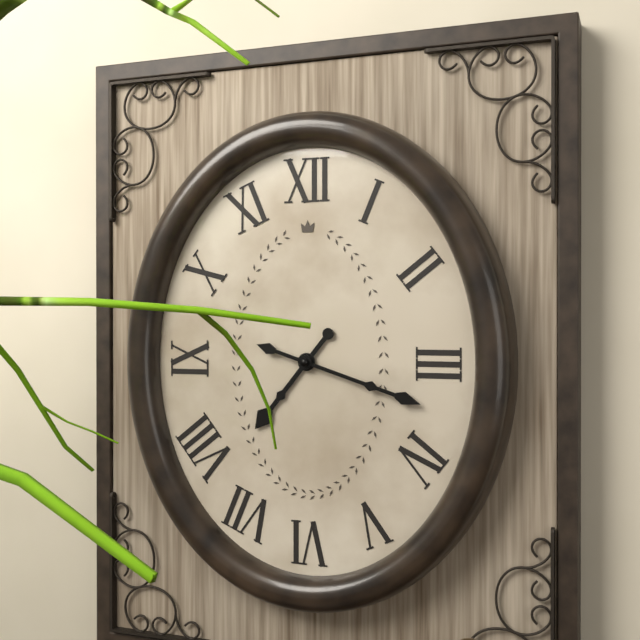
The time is 7:18
